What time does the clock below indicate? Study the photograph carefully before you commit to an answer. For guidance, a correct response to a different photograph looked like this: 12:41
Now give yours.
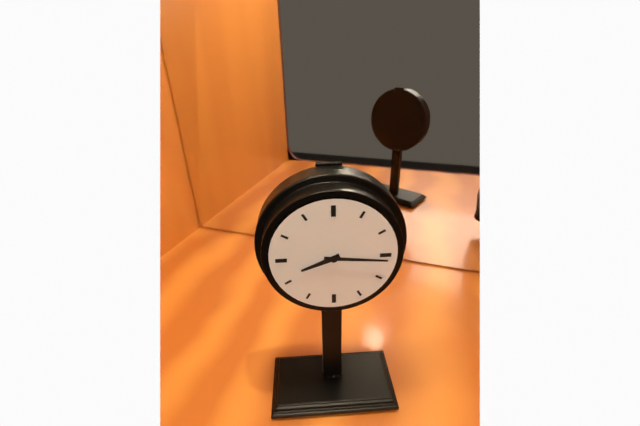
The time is 8:16
